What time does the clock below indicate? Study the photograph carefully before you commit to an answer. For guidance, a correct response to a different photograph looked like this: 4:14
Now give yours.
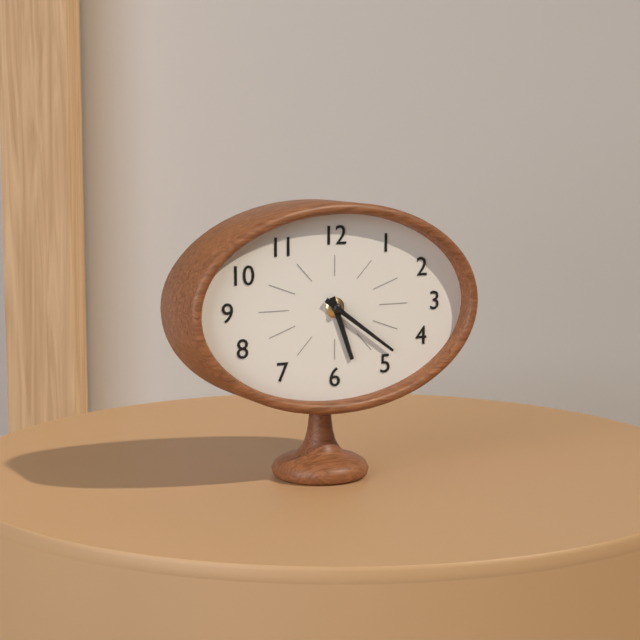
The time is 5:21
